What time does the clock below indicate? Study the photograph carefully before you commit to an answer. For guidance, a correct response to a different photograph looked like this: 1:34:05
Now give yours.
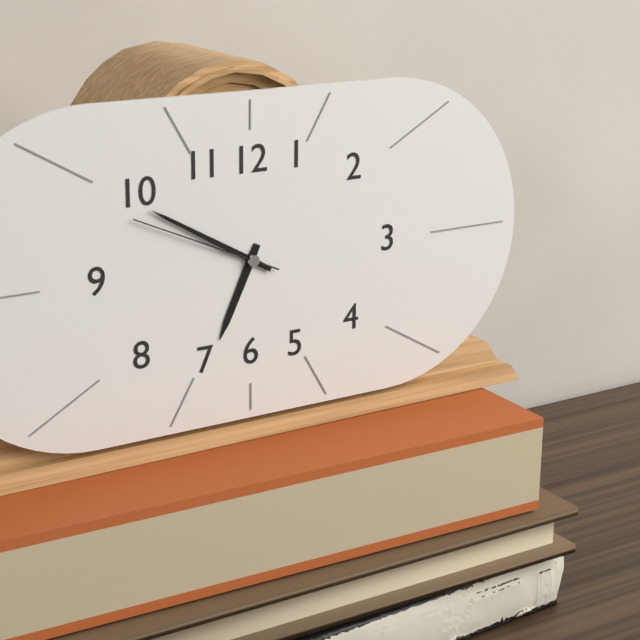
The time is 6:50:49
